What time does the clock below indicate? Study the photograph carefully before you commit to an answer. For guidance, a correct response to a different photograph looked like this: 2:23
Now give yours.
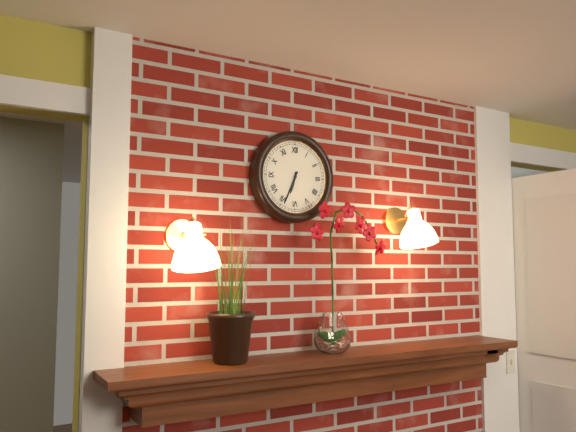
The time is 6:34
